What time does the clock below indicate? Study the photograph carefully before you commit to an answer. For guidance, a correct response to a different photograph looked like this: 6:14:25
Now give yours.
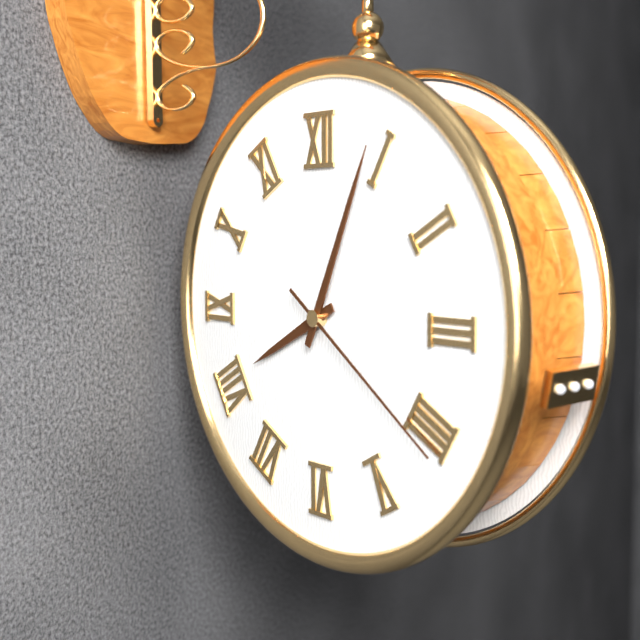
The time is 8:04:21
